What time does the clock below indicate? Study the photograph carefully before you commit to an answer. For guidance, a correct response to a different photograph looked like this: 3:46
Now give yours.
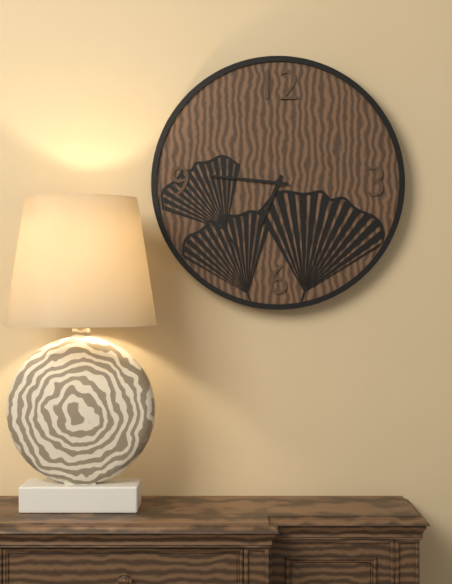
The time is 6:46
